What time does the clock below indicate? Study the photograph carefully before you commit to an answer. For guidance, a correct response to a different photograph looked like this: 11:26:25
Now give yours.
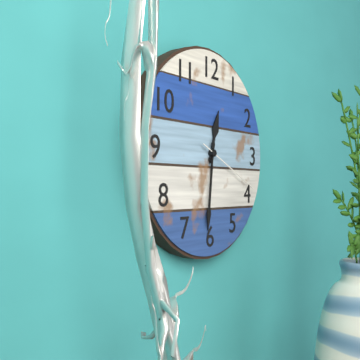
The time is 12:31:19
